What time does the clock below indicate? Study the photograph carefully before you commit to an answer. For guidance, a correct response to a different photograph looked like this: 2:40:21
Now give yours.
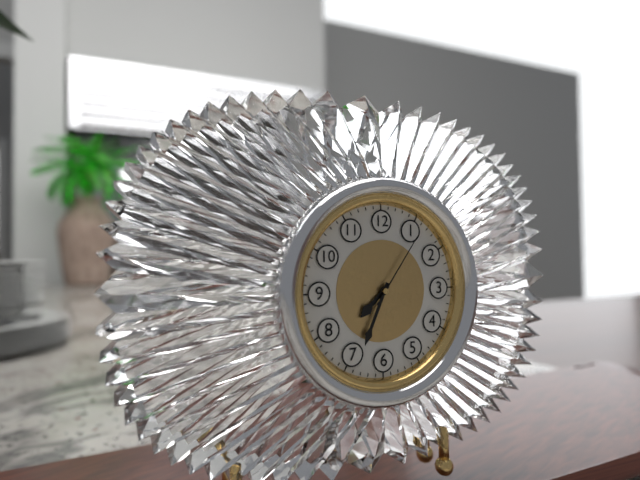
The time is 7:34:06
